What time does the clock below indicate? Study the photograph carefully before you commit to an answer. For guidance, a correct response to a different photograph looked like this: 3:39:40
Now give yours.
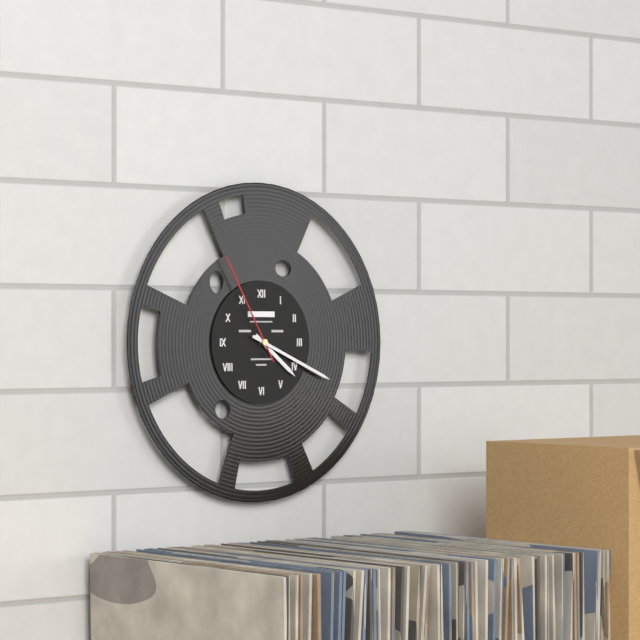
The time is 4:19:55
